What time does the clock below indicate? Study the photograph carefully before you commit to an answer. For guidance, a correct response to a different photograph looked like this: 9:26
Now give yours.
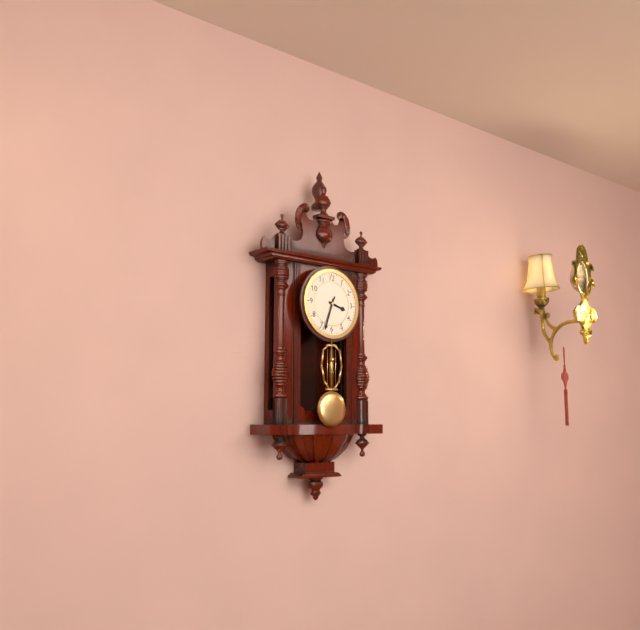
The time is 3:33
